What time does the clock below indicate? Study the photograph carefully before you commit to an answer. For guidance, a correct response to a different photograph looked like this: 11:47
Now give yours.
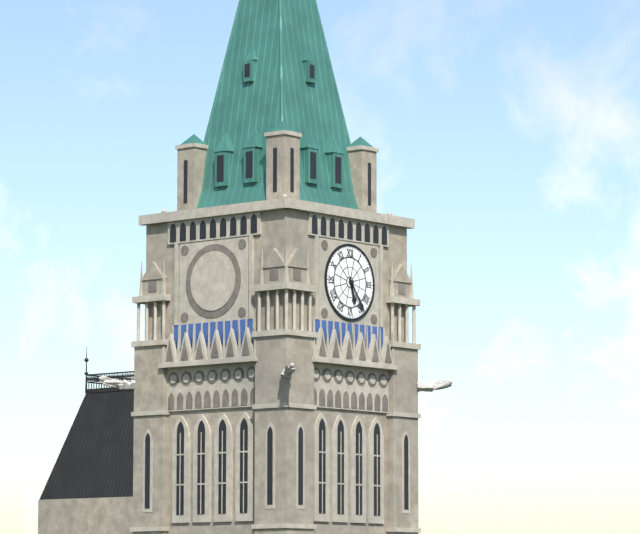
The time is 5:24
